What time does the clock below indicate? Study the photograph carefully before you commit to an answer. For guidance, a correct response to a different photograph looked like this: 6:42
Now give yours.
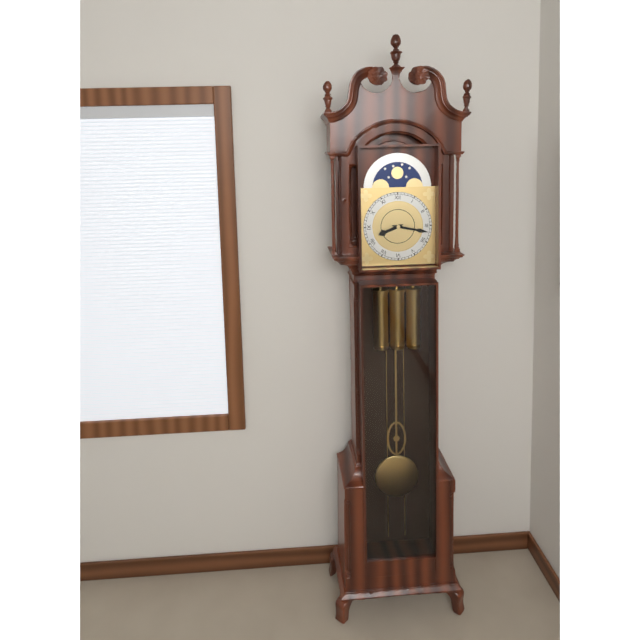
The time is 8:17
